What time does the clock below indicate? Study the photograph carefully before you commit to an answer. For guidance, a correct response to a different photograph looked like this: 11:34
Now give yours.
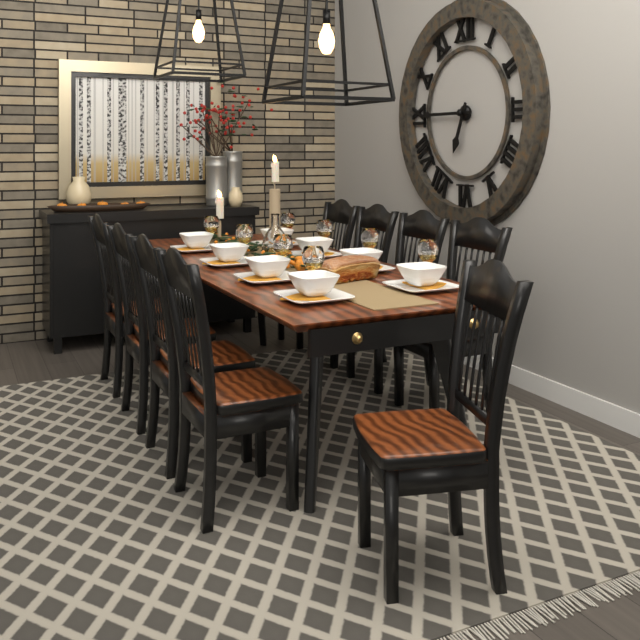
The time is 6:45
